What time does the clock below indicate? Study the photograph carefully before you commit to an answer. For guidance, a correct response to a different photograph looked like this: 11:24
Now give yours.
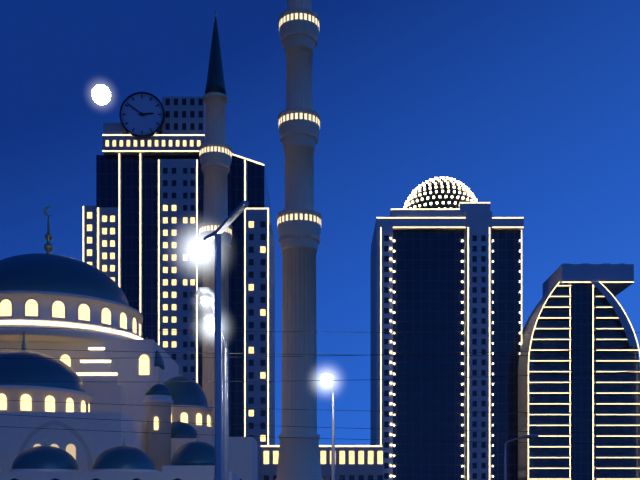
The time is 2:51
